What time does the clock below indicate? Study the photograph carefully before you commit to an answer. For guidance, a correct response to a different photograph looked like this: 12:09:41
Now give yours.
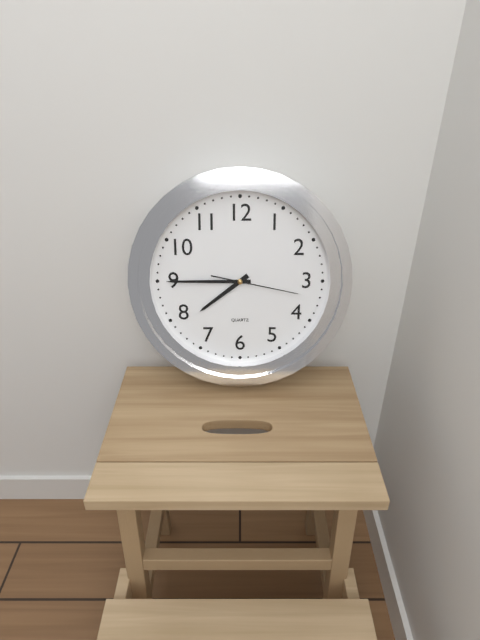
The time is 7:45:17
